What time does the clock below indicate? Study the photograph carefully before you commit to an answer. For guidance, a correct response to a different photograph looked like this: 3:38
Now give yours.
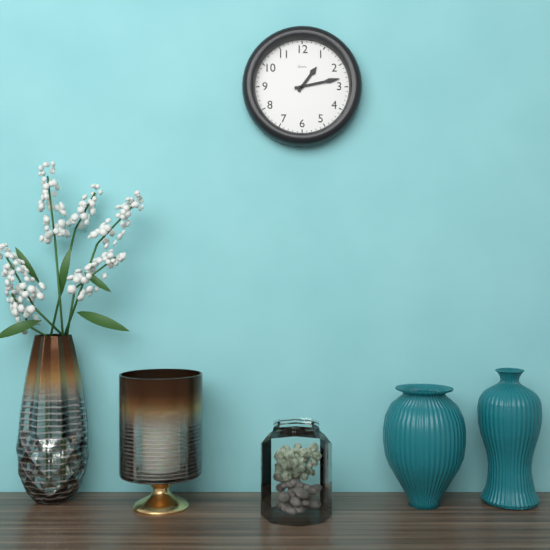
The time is 1:13
